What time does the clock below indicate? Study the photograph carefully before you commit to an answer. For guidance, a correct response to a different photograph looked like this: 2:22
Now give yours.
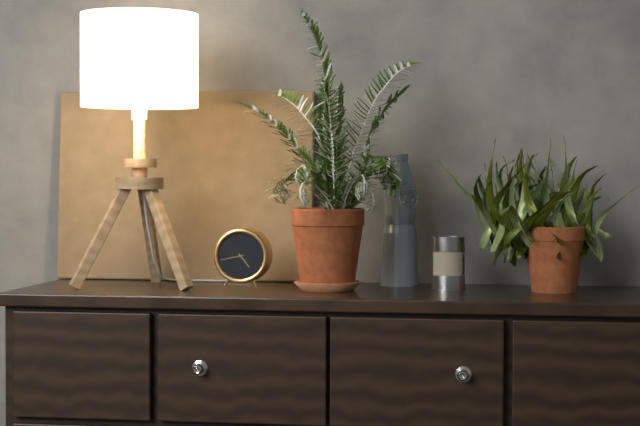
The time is 4:43
